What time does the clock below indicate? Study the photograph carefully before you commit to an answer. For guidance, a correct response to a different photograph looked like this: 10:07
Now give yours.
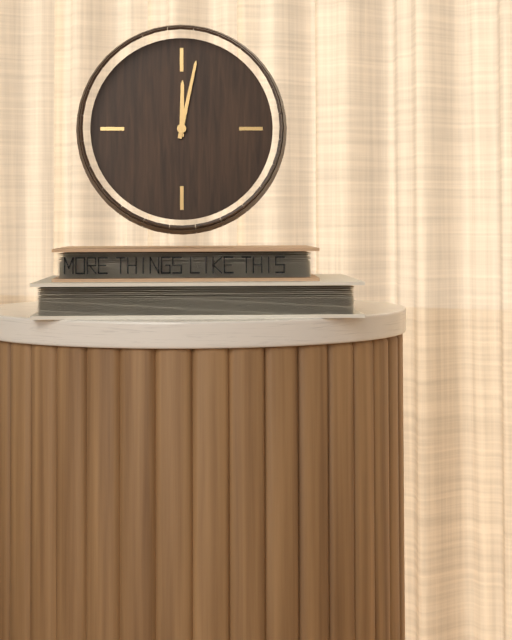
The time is 12:02
